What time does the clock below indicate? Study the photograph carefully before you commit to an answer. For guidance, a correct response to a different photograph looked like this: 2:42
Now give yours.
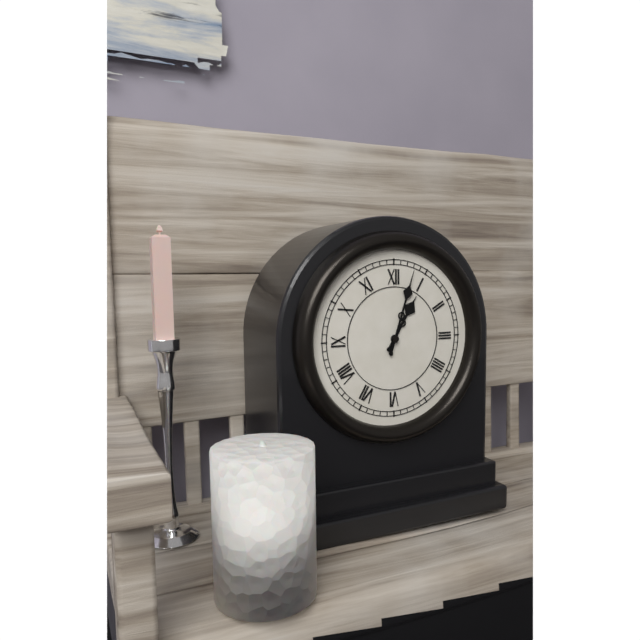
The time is 1:03
